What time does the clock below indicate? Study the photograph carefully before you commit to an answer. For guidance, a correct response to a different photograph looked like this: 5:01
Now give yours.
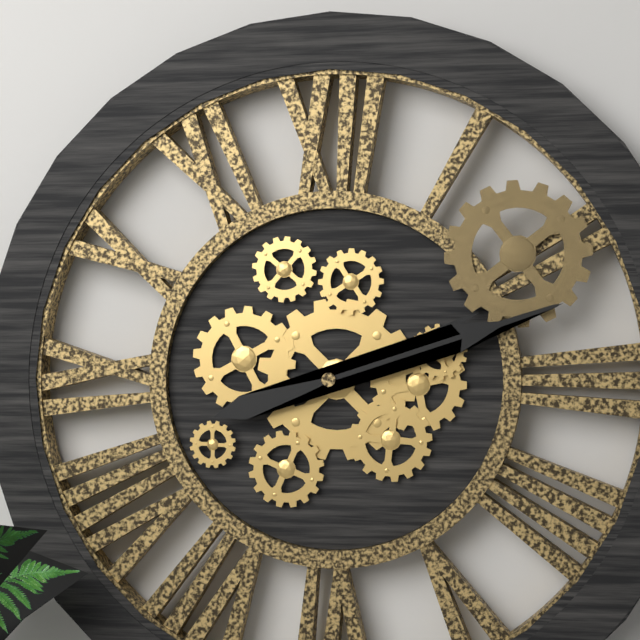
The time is 2:12
